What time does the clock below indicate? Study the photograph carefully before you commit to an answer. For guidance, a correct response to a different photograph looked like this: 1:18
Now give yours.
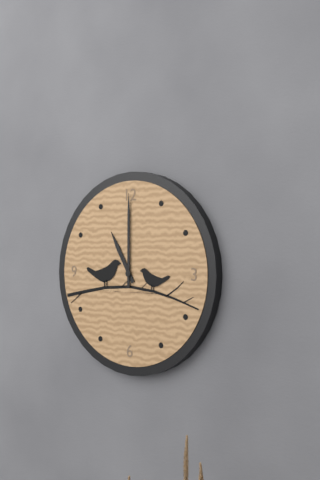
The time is 11:00
